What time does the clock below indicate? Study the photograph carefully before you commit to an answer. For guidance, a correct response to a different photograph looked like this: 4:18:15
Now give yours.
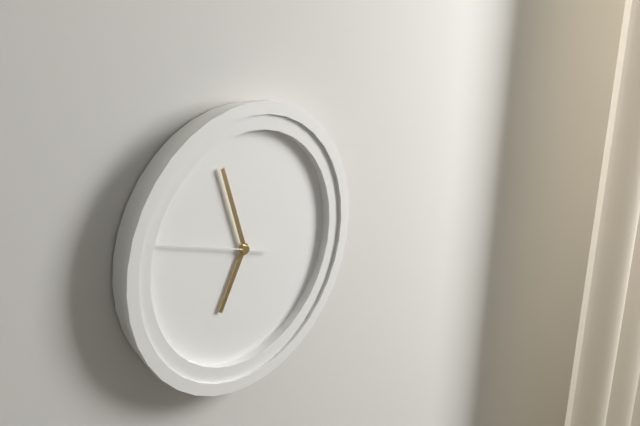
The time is 6:57:48
